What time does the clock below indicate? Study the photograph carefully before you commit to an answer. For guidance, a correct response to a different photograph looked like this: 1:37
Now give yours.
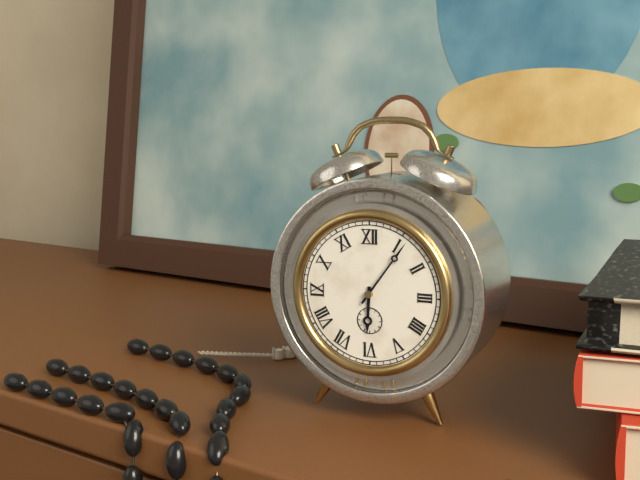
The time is 6:06
